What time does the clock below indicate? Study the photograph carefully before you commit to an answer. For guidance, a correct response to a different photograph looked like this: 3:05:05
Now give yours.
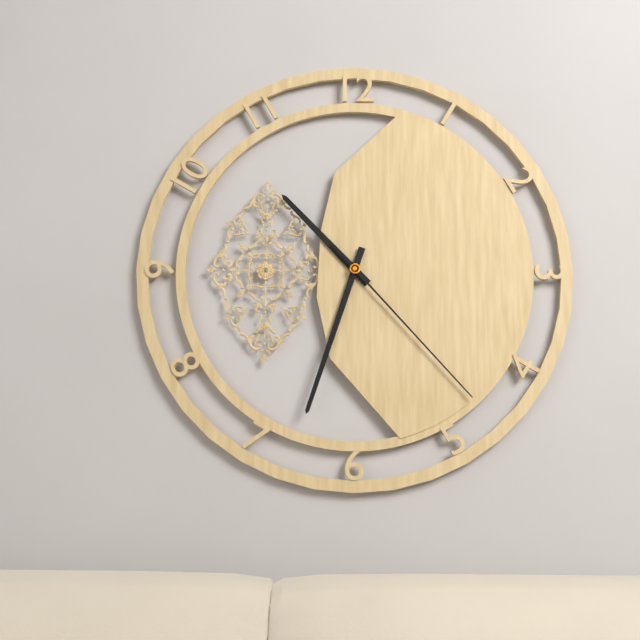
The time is 10:33:23
